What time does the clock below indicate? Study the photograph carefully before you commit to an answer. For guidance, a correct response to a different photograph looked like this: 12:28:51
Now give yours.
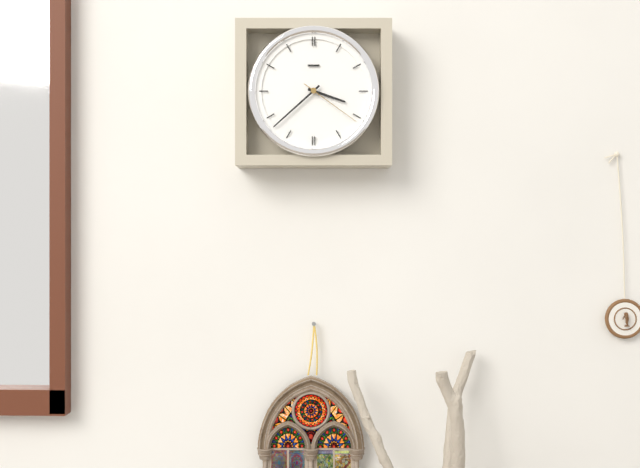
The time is 3:38:21
